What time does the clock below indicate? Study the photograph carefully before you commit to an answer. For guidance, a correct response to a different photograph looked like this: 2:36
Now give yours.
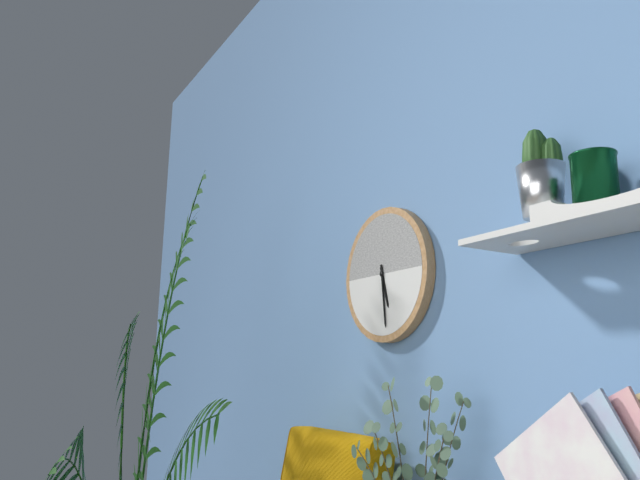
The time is 5:29
